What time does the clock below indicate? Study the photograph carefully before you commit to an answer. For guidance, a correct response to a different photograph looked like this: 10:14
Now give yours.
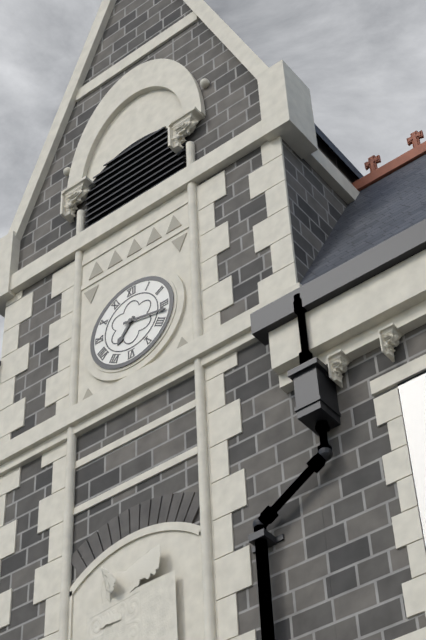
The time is 7:17
